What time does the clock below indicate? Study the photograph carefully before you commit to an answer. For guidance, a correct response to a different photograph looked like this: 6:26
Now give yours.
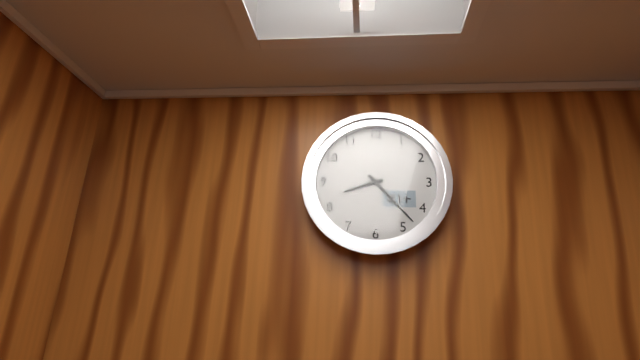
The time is 8:23
